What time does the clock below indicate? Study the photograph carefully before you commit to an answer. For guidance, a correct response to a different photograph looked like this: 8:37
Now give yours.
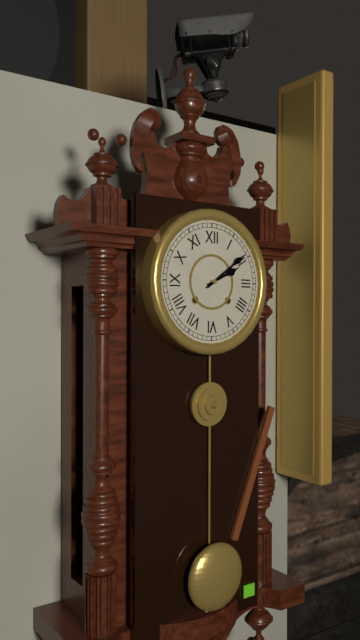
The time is 2:09
